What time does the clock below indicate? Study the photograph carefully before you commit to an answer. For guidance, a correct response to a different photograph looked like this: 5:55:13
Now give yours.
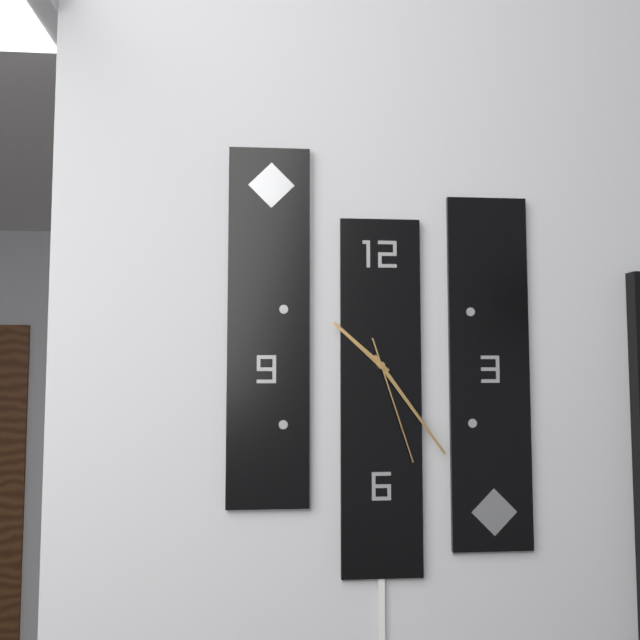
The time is 10:24:27
